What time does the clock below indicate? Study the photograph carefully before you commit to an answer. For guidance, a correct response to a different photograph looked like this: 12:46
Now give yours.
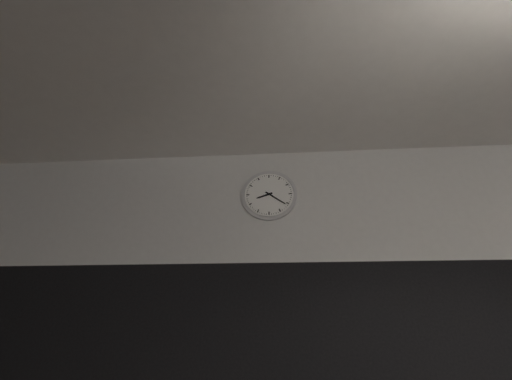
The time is 8:21
